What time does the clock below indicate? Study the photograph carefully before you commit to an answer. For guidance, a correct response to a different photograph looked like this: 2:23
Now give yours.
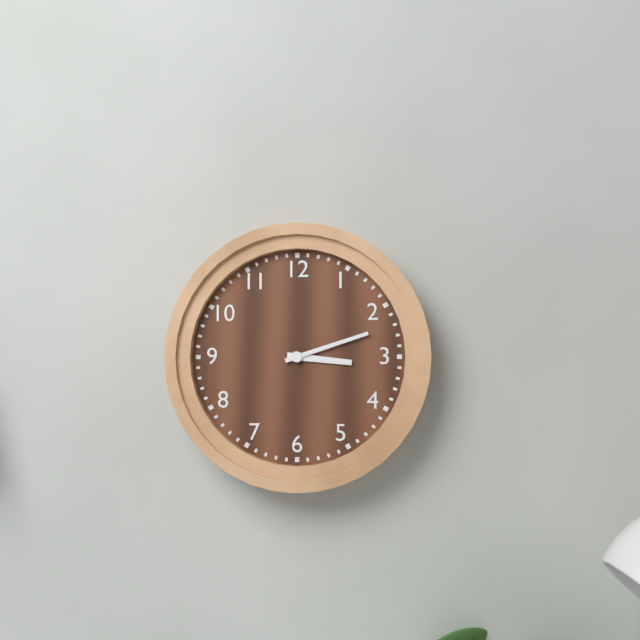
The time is 3:12
